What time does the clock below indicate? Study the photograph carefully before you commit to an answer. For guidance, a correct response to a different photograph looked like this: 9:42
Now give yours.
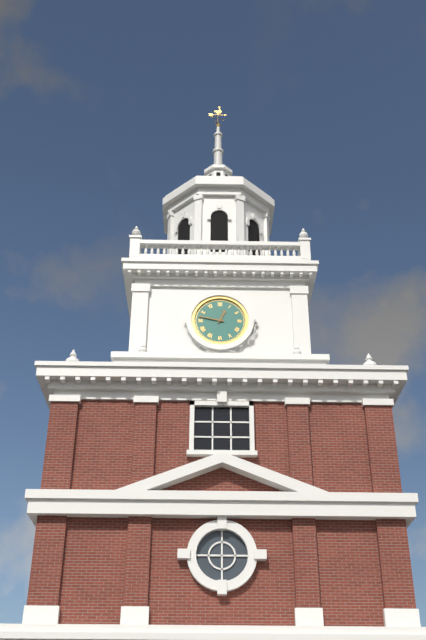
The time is 12:47
